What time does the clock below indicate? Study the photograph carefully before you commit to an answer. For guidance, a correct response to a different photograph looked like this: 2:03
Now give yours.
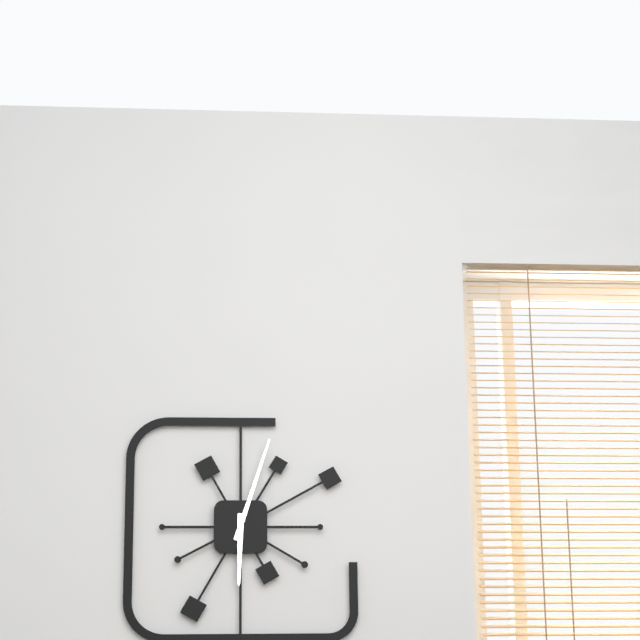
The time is 6:03
